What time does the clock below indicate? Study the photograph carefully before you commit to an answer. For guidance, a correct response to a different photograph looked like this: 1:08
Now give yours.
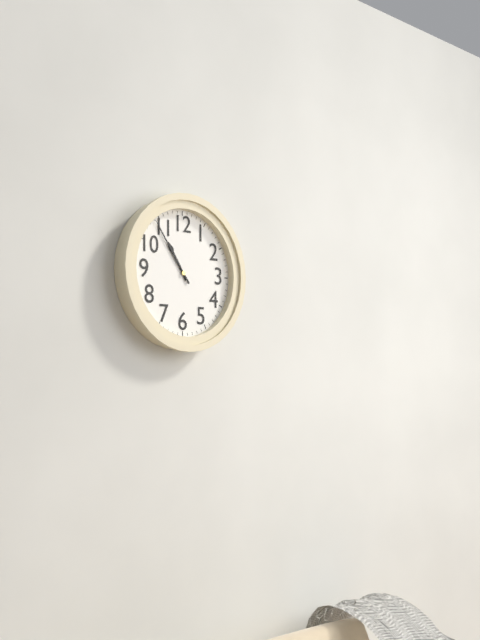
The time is 10:54
